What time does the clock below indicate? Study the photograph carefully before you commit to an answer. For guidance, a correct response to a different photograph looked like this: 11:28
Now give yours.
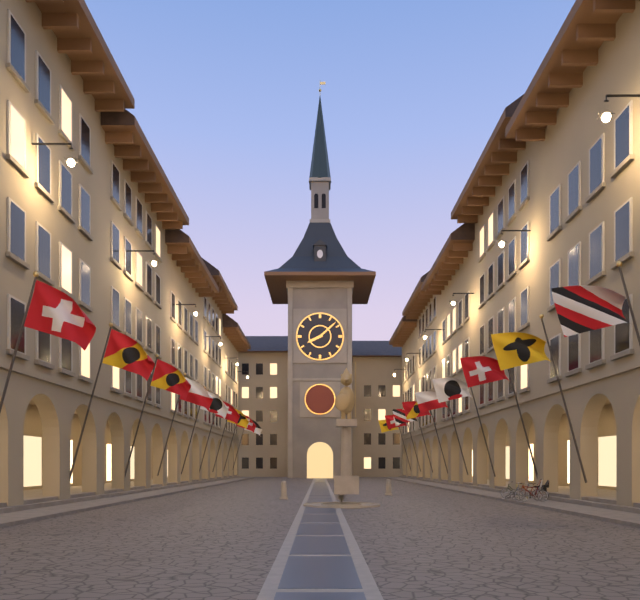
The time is 8:08
